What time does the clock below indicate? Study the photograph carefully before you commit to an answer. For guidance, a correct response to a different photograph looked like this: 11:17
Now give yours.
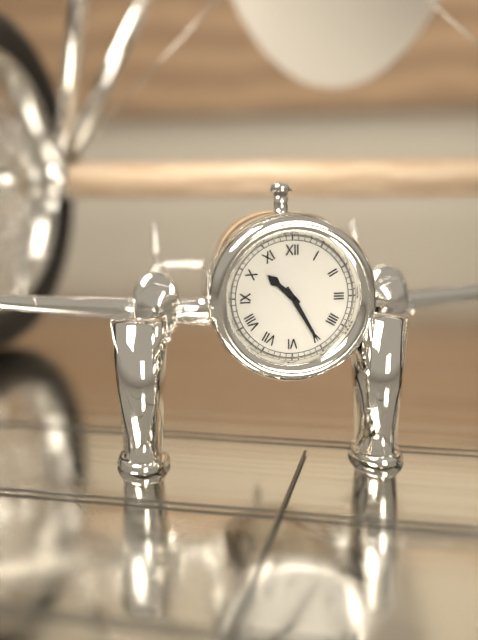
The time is 10:25
